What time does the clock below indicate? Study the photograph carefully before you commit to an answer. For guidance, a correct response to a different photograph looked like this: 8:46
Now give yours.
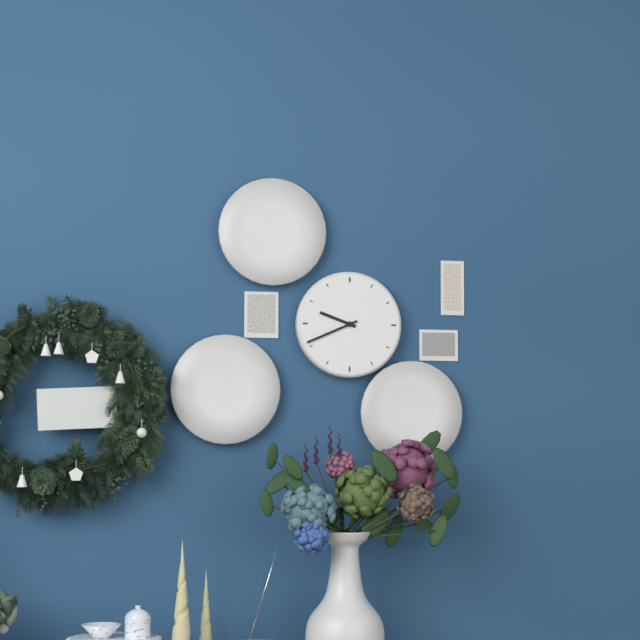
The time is 9:41
